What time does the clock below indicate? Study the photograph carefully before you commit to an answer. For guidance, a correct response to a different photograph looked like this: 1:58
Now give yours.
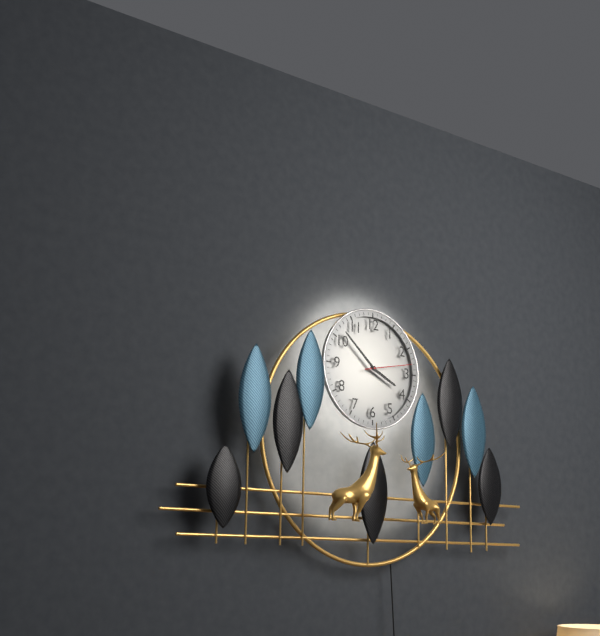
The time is 3:52
